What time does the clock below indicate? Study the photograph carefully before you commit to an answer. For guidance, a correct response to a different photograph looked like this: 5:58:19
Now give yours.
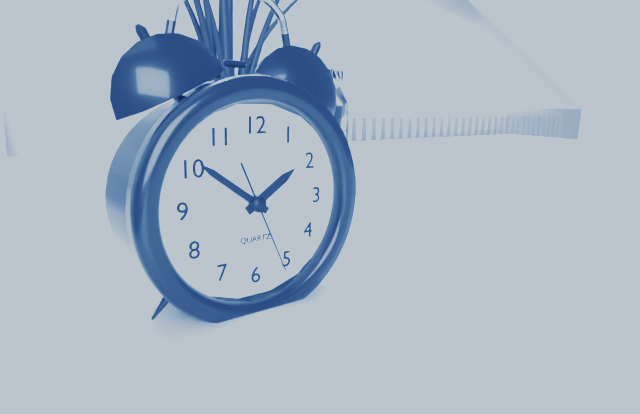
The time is 1:51:26
